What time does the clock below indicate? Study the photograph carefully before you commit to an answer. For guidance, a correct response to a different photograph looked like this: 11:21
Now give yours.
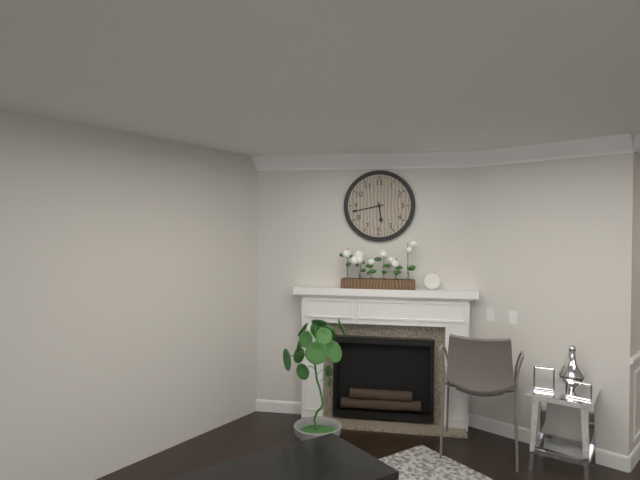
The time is 5:43
